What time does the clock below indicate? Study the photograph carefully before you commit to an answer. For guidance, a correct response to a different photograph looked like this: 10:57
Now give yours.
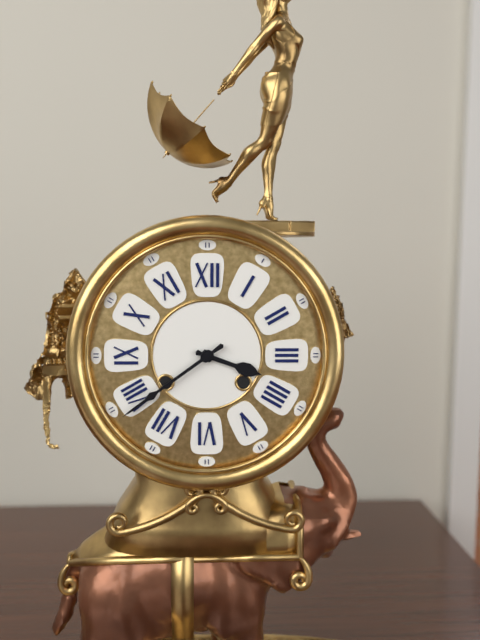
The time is 3:39
